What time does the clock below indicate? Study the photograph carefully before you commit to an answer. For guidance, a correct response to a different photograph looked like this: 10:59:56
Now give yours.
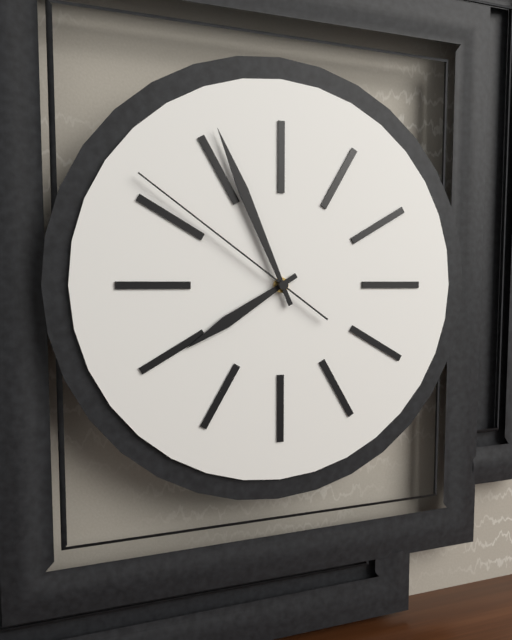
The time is 7:56:51
